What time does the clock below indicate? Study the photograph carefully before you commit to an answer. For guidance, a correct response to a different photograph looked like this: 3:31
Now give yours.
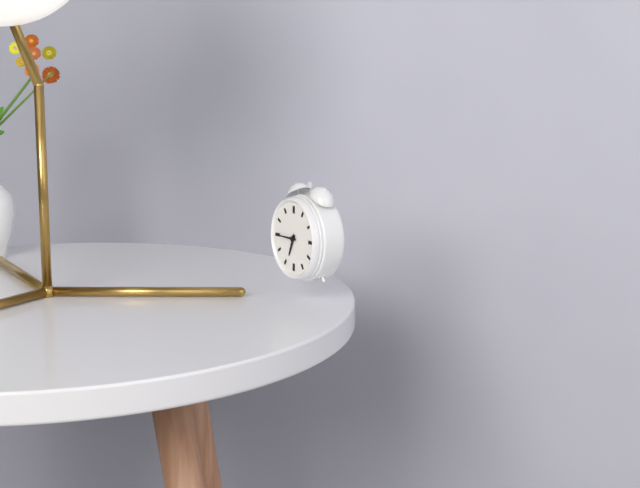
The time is 6:45
